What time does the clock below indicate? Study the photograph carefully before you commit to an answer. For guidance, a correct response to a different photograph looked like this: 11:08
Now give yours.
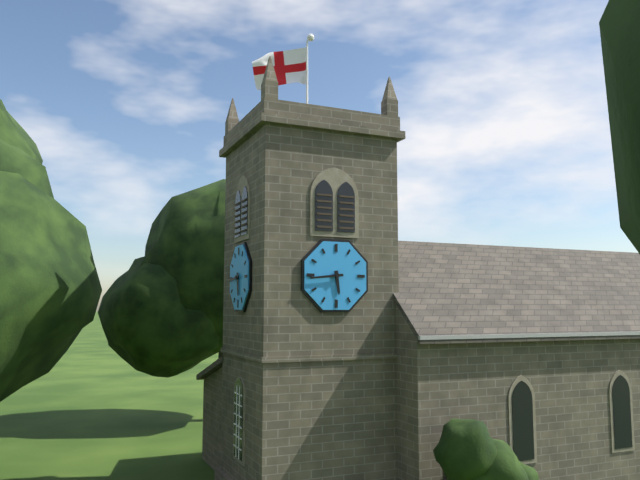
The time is 5:44
